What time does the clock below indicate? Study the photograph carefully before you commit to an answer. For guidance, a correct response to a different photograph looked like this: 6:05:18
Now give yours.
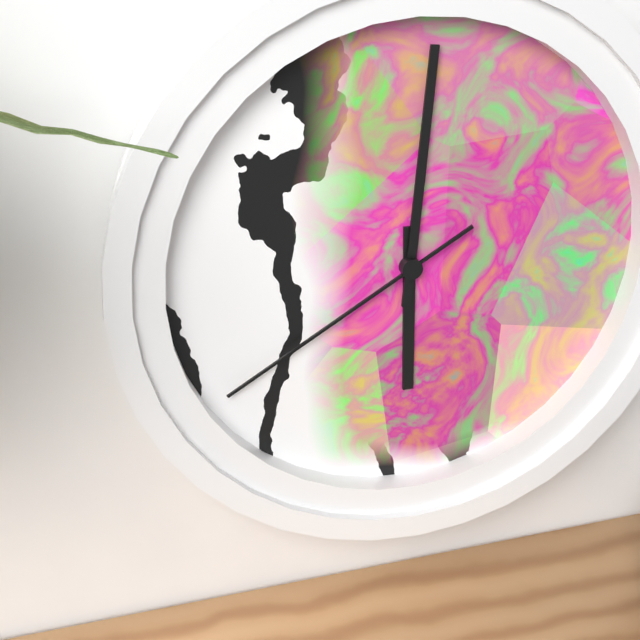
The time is 6:01:40
